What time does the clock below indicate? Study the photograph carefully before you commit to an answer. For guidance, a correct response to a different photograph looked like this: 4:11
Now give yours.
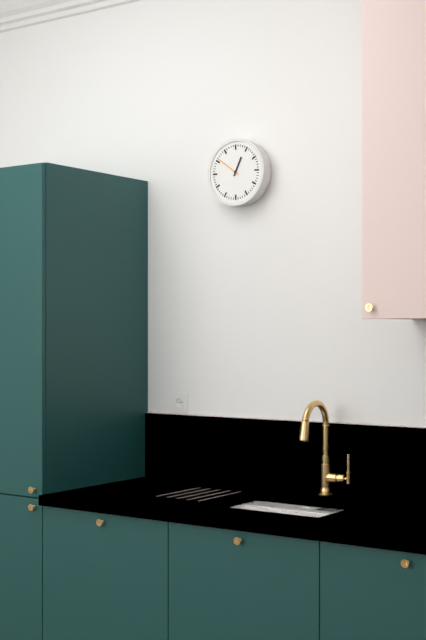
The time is 12:51
